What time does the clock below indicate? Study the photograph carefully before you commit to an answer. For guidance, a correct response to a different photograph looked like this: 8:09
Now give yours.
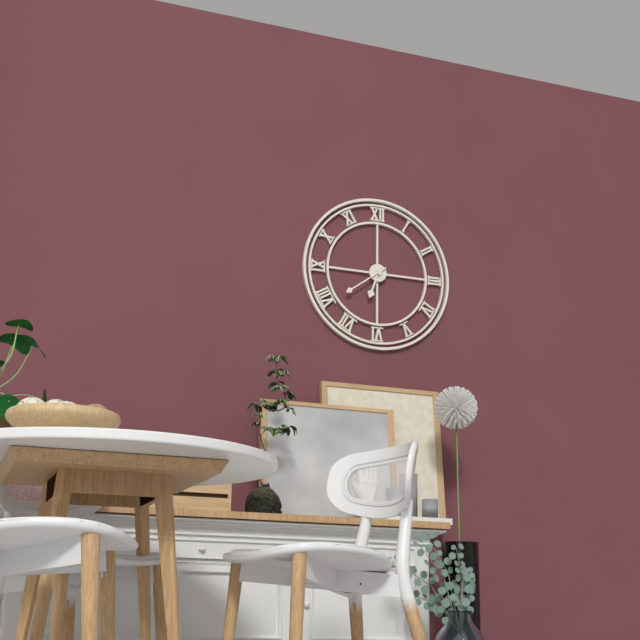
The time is 6:39
